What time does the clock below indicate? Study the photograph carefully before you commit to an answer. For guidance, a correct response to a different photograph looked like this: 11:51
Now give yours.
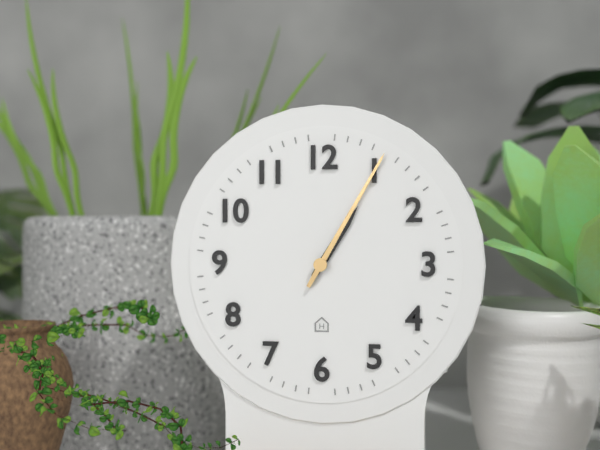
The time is 1:05
